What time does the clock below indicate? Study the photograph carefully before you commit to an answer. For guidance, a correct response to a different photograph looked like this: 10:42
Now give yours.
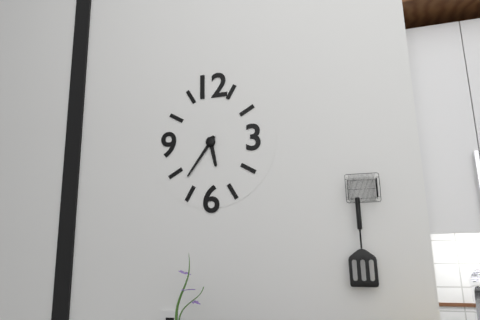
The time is 5:36
